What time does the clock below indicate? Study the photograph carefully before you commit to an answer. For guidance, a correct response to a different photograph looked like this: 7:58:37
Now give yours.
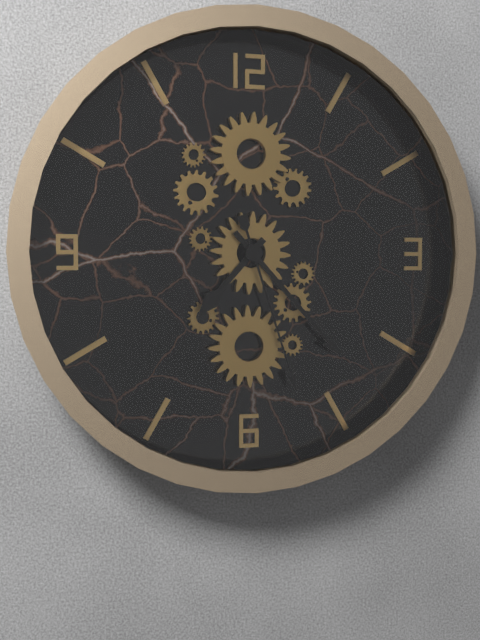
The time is 7:23:27
